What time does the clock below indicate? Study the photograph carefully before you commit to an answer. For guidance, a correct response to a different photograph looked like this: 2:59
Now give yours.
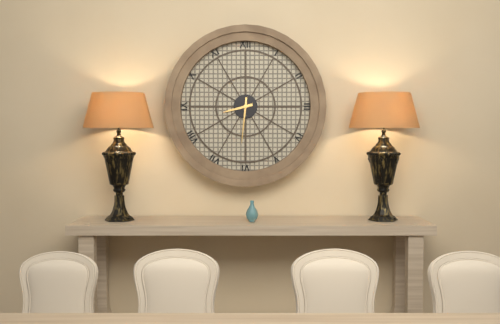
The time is 8:31
